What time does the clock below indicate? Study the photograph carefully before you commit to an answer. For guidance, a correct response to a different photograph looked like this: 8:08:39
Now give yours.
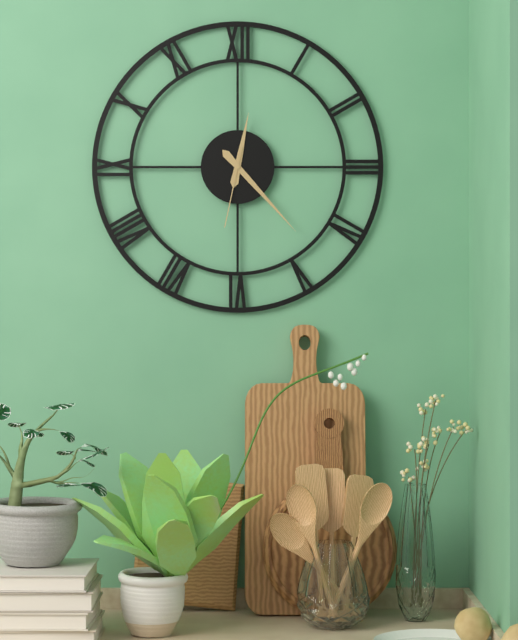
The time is 12:23:32
